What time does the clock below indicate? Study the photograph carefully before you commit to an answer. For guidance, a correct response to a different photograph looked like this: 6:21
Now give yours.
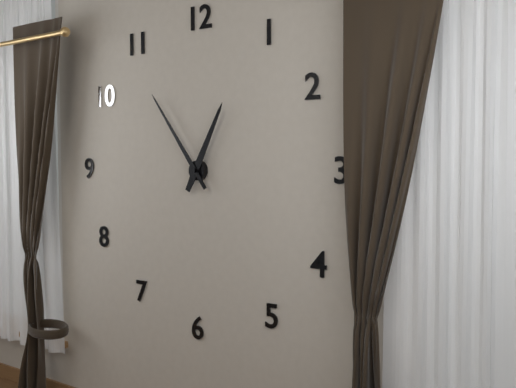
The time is 12:54
